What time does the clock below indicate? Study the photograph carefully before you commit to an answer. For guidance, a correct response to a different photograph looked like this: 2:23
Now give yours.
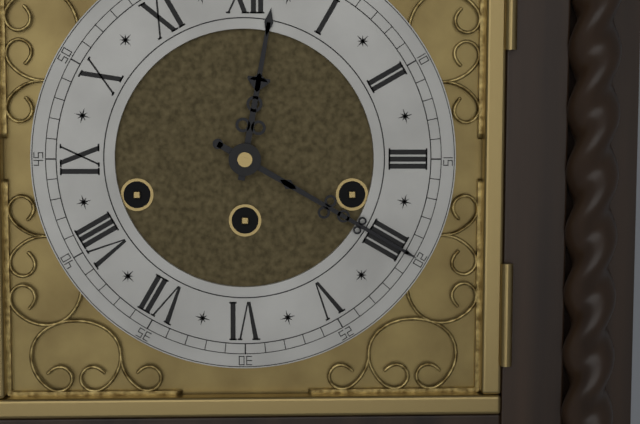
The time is 12:20
